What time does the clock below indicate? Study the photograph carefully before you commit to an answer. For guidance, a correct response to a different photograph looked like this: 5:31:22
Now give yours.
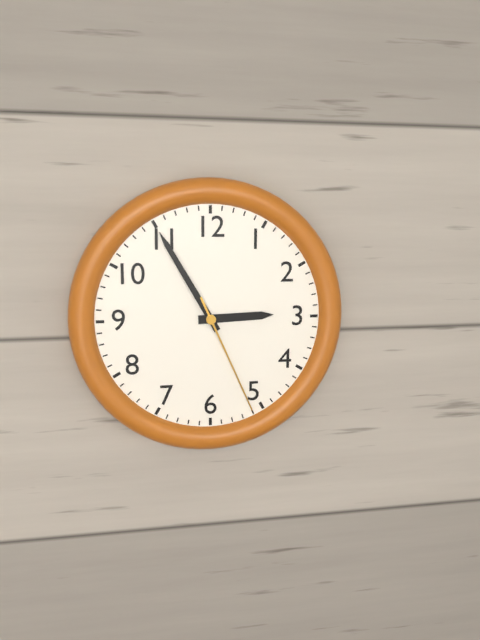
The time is 2:55:26
